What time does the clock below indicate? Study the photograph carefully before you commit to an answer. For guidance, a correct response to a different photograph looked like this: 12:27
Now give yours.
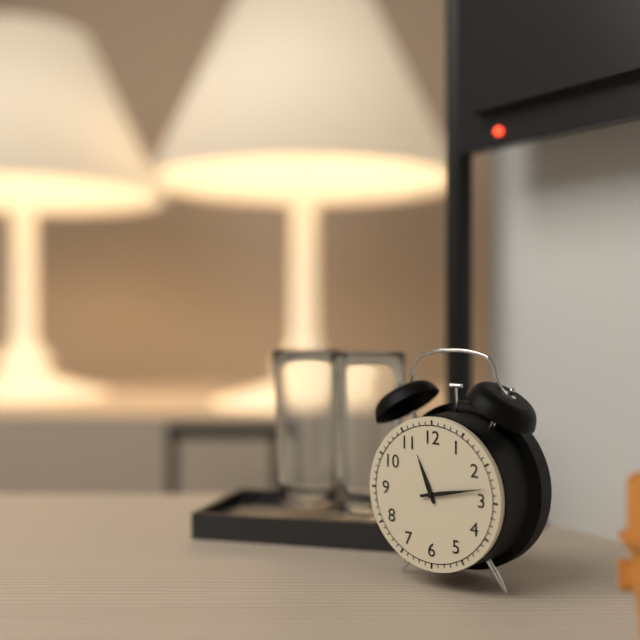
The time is 11:13
